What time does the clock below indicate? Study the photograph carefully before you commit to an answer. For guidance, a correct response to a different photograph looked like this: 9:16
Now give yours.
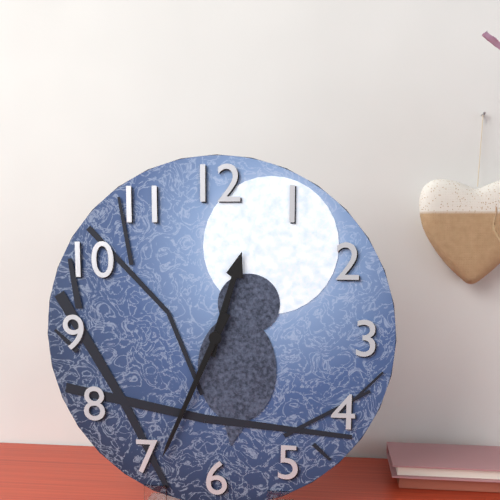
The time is 12:34
